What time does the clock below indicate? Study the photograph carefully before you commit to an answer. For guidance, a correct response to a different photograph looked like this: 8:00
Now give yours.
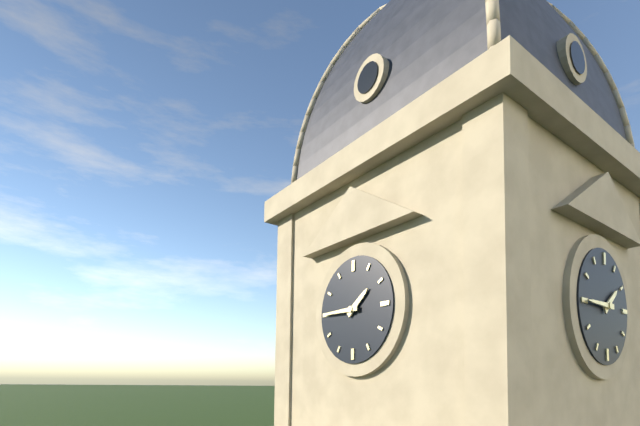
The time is 1:45
